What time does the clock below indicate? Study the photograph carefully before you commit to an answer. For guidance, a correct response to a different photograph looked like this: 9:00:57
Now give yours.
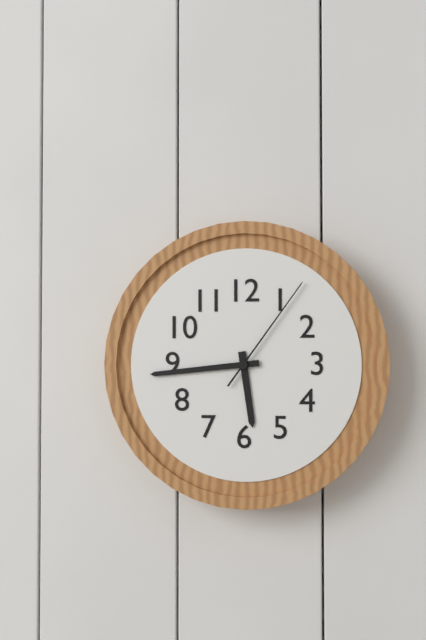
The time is 5:44:06
